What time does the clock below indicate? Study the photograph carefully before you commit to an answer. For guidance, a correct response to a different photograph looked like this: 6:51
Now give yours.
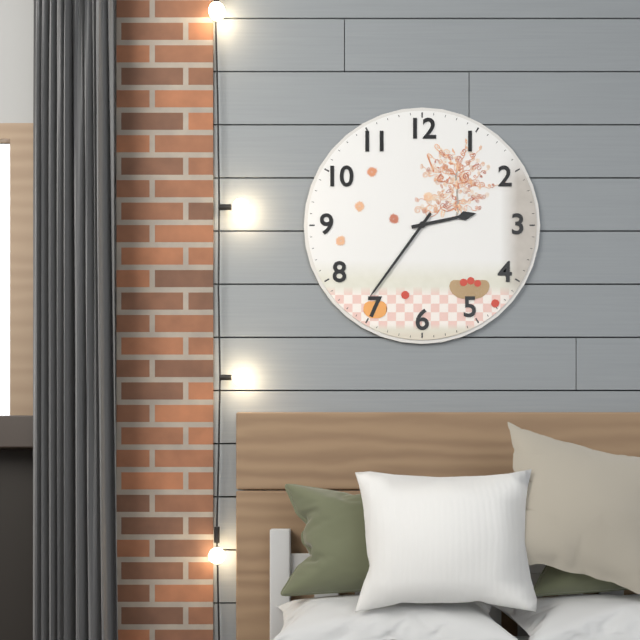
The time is 2:36
